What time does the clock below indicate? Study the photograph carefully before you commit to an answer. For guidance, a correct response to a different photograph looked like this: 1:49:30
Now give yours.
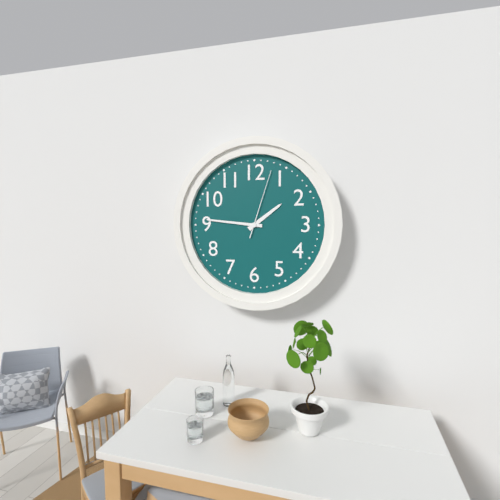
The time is 1:46:03
